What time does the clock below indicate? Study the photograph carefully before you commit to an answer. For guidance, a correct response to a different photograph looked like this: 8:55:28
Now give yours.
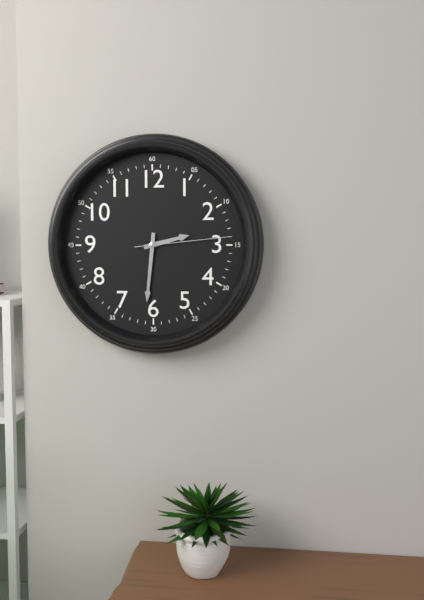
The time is 2:31:14
